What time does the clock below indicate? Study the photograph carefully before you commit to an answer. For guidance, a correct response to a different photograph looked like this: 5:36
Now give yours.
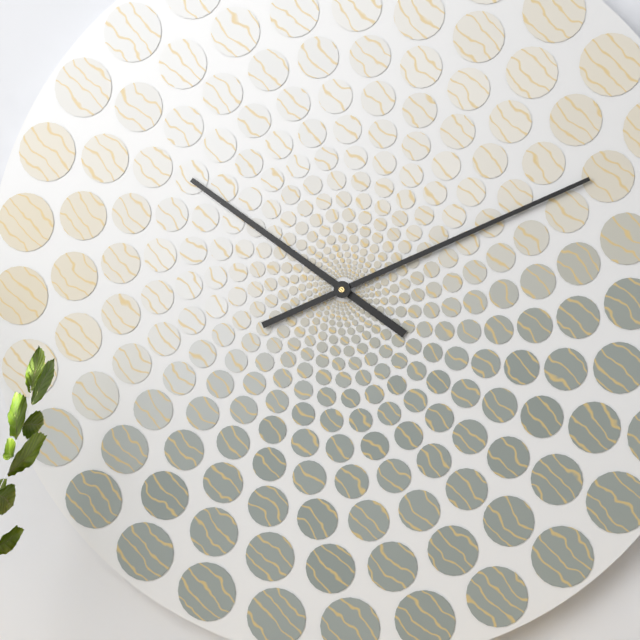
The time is 10:11
